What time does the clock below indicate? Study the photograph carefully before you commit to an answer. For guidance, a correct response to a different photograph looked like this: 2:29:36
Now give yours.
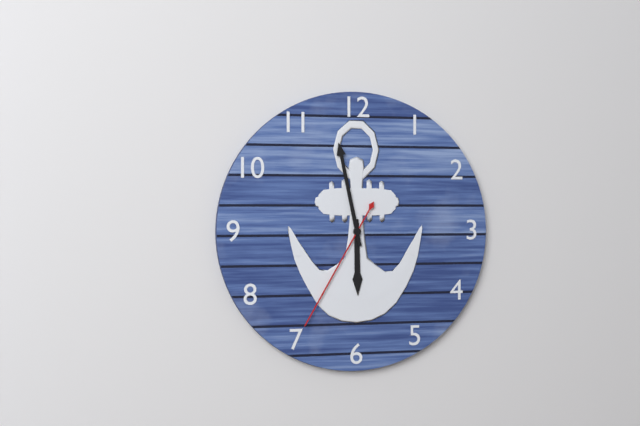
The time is 5:58:35
